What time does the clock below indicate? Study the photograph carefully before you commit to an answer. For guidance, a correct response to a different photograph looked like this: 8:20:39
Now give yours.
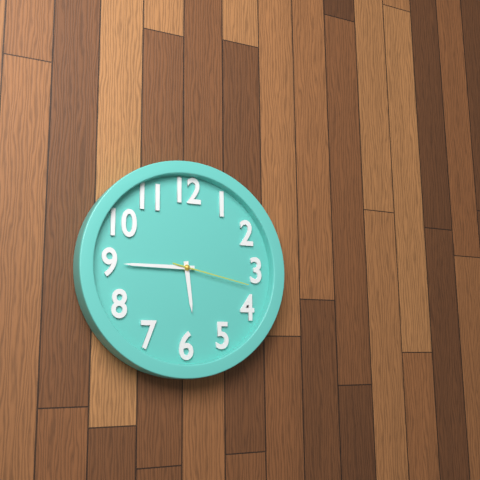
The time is 5:45:17
